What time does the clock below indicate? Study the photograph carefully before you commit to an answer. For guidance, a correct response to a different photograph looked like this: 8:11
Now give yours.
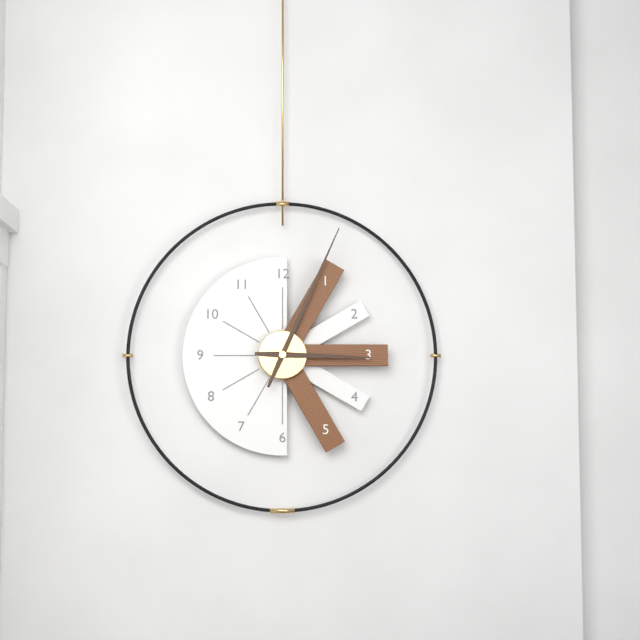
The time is 3:04
